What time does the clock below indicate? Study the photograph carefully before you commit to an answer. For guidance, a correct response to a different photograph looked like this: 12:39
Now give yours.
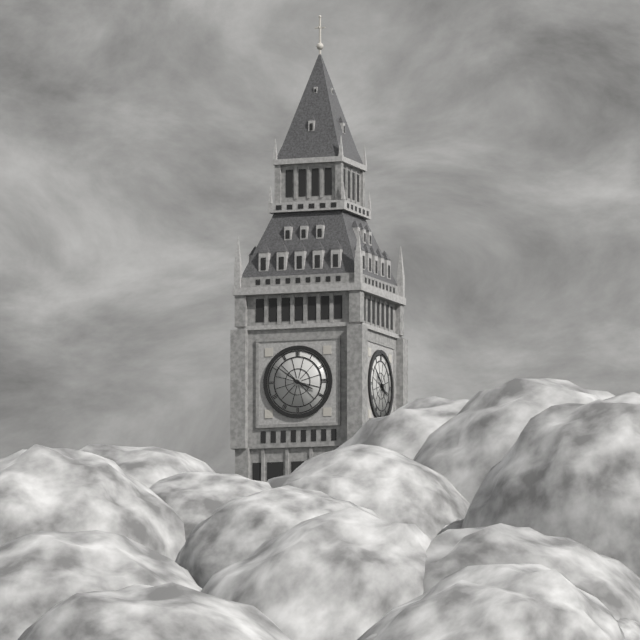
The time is 3:51
